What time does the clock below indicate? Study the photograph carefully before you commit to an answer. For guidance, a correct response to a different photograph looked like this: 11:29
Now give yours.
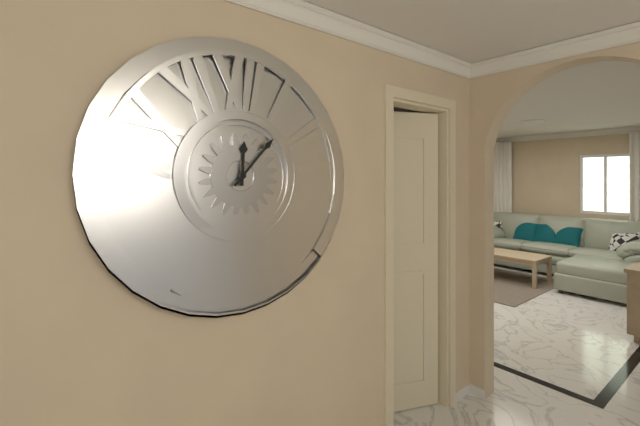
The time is 12:07
